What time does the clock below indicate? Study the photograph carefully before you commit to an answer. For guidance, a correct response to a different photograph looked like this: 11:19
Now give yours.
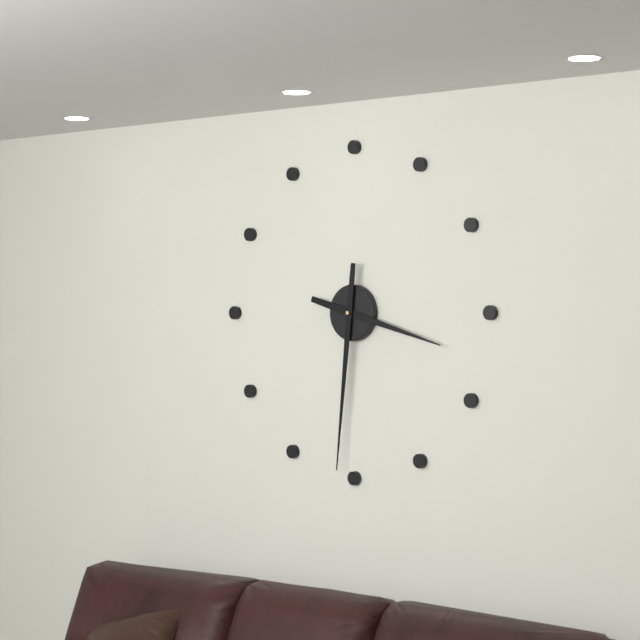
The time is 3:31
